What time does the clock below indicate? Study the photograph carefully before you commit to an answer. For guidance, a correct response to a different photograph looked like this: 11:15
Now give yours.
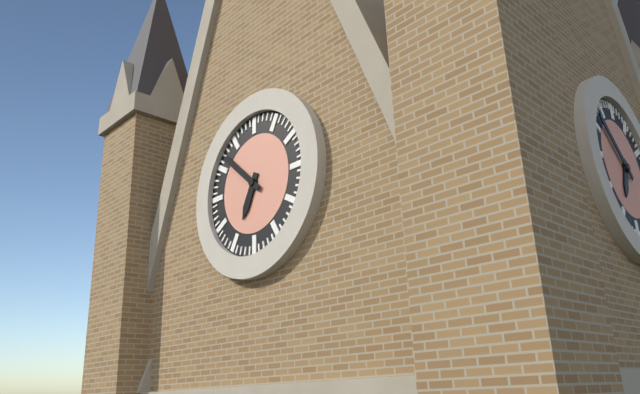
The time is 6:52
